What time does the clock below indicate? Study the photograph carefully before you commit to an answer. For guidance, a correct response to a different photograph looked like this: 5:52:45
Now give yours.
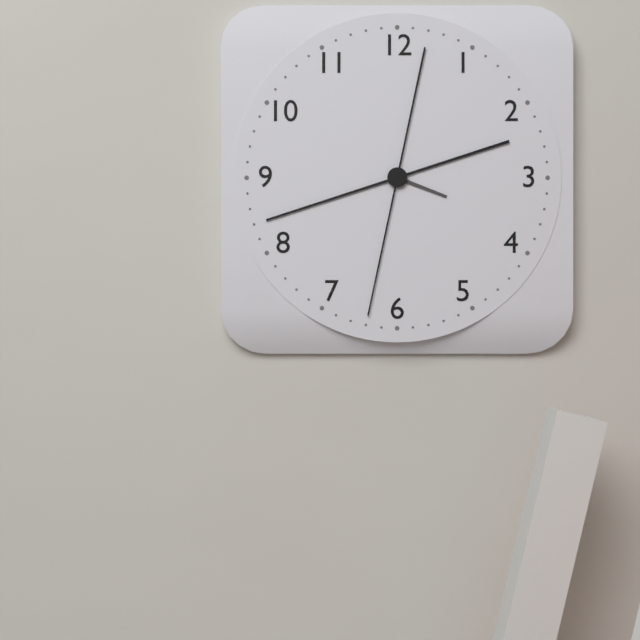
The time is 3:42:32
